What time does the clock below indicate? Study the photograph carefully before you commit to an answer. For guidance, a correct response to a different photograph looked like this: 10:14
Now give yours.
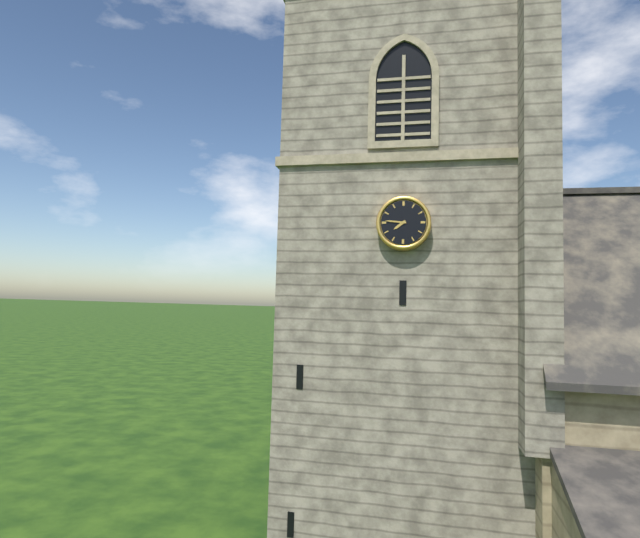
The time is 7:46
